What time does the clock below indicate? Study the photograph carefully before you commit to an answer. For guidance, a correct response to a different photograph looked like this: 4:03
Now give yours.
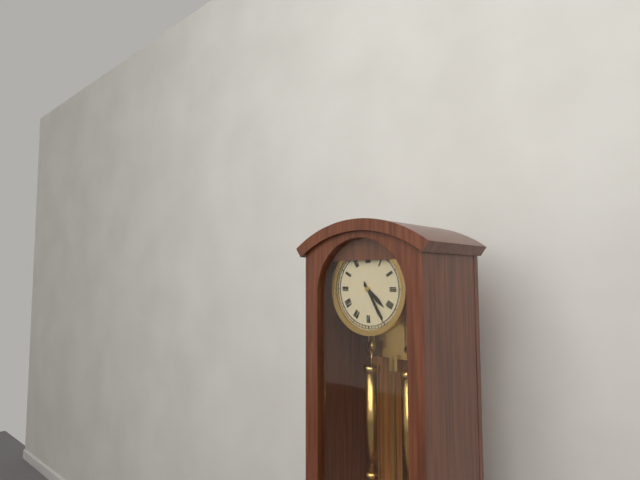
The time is 4:25
